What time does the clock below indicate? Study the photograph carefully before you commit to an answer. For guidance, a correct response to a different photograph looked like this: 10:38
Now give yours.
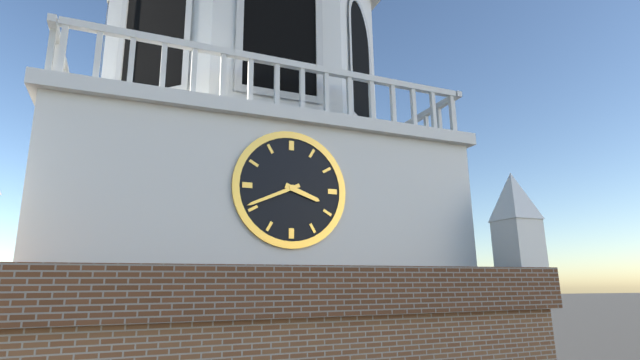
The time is 3:41
